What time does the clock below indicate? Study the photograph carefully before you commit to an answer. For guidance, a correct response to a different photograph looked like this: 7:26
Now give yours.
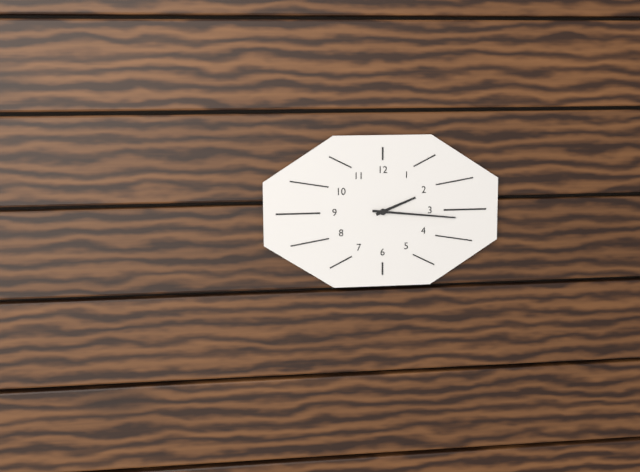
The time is 2:16
